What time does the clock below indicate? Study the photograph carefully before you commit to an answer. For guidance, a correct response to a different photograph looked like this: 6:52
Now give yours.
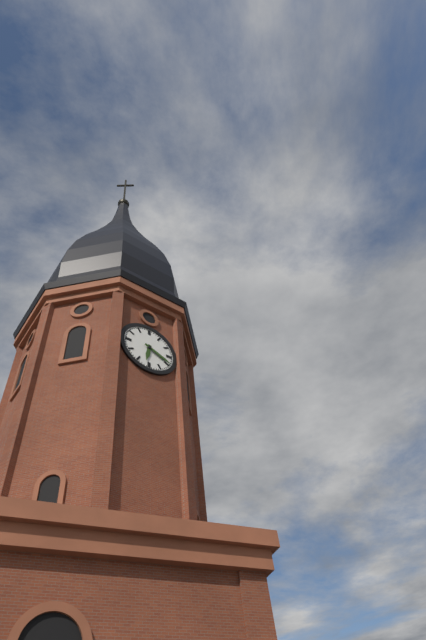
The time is 6:19
